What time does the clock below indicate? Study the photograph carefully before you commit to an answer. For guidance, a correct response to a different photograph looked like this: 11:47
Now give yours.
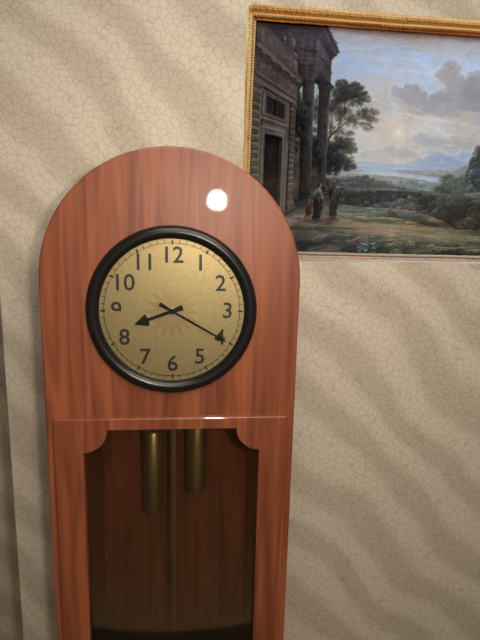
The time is 8:20
